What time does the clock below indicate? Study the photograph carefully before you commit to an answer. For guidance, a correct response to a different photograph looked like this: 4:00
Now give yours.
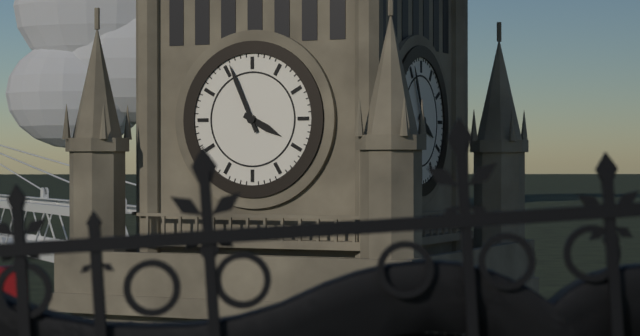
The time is 3:56
